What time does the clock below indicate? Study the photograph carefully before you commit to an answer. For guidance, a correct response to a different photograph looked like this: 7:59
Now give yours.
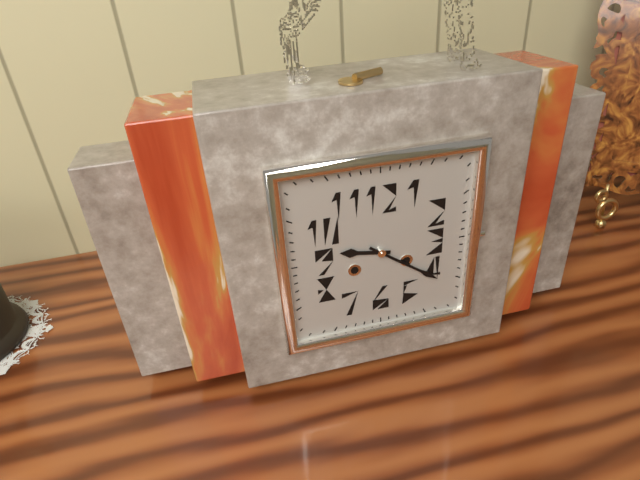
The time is 9:21
